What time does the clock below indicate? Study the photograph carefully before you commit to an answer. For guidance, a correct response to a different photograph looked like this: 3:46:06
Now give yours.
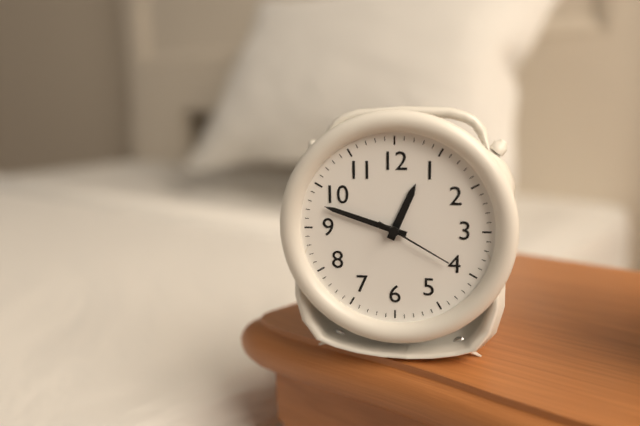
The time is 12:48:20
